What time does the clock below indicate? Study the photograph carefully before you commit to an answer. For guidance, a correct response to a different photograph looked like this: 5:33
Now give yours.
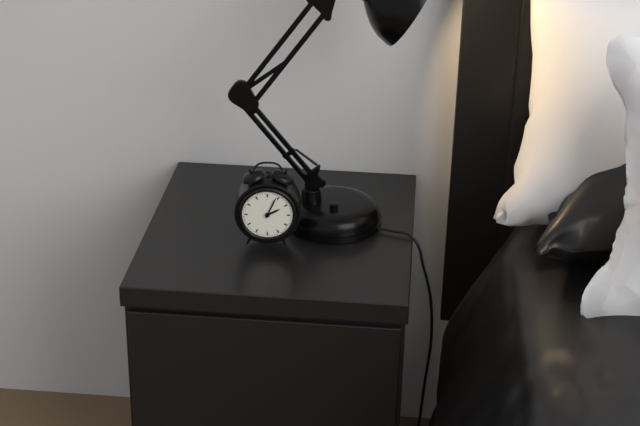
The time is 2:04
